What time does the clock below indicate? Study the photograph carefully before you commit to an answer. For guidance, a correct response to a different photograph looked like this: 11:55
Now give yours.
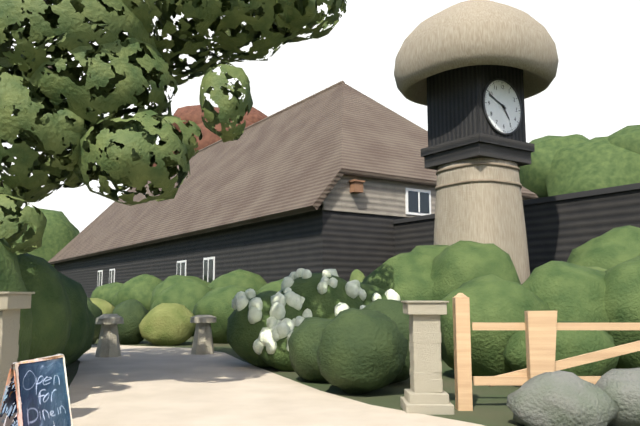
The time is 4:49
